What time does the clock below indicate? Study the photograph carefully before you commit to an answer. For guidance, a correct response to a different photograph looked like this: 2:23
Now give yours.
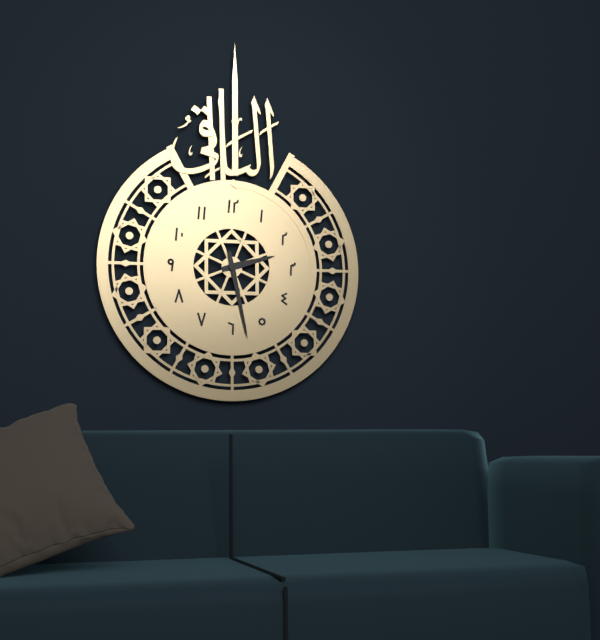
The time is 2:28
